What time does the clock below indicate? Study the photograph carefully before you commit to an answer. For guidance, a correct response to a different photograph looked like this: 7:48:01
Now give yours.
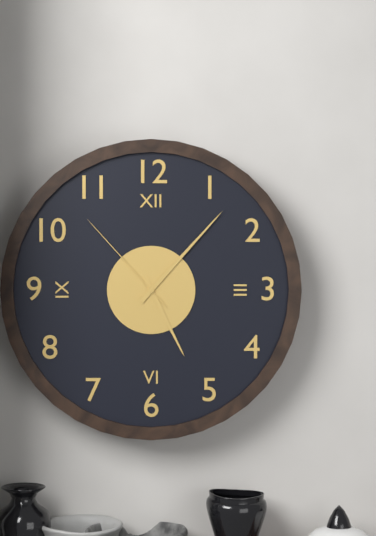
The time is 5:07:53
